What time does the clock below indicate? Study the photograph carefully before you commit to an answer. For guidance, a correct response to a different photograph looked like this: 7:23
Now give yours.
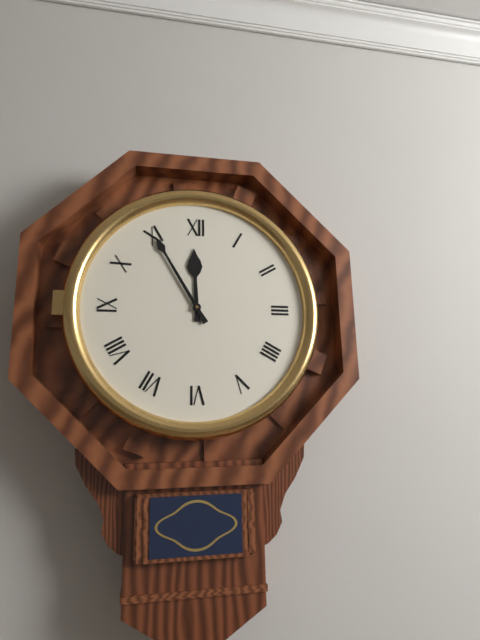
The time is 11:55
